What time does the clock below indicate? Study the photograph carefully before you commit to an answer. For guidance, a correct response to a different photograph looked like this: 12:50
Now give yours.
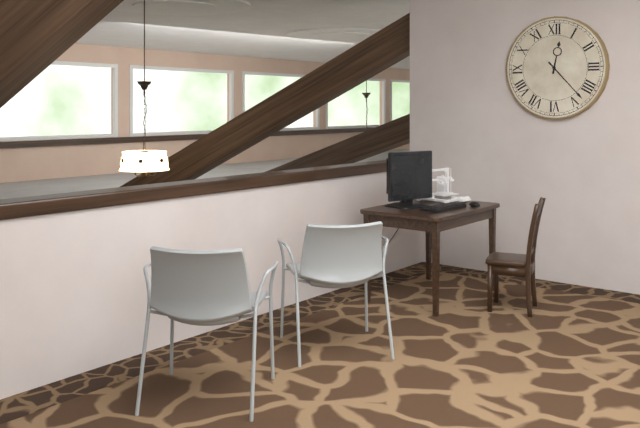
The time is 12:23
